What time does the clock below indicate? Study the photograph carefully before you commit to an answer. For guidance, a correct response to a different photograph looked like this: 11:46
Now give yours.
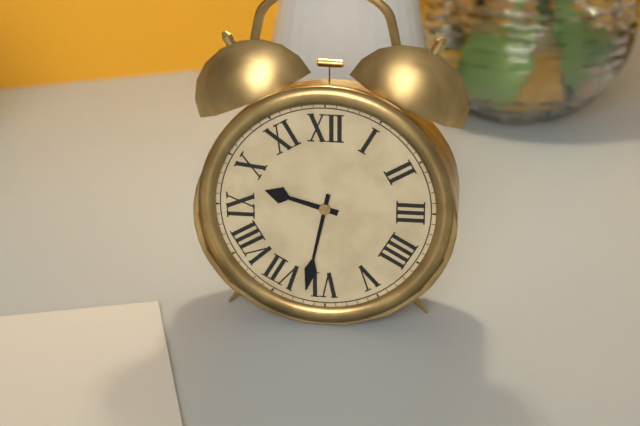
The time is 9:32
